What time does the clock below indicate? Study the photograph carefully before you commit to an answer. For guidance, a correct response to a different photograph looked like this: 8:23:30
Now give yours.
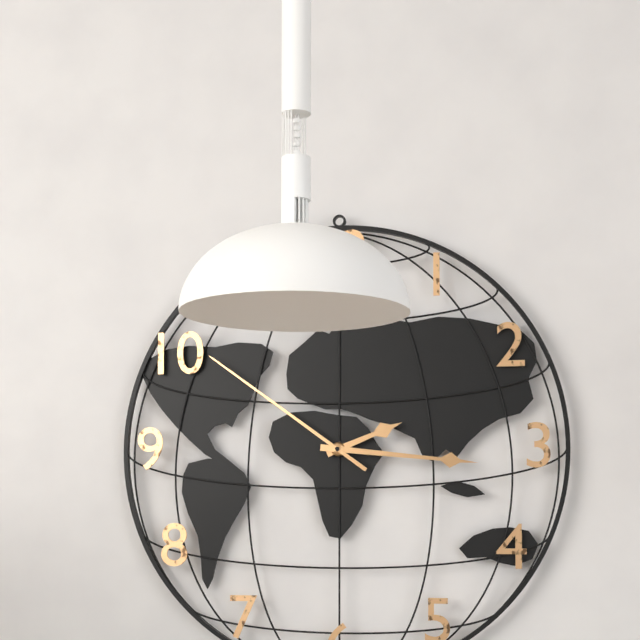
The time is 2:16:51
